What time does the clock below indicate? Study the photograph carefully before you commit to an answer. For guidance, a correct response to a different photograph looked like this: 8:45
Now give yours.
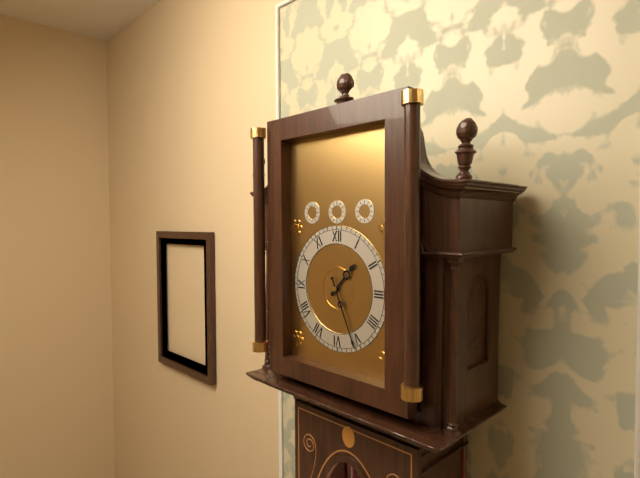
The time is 1:26
